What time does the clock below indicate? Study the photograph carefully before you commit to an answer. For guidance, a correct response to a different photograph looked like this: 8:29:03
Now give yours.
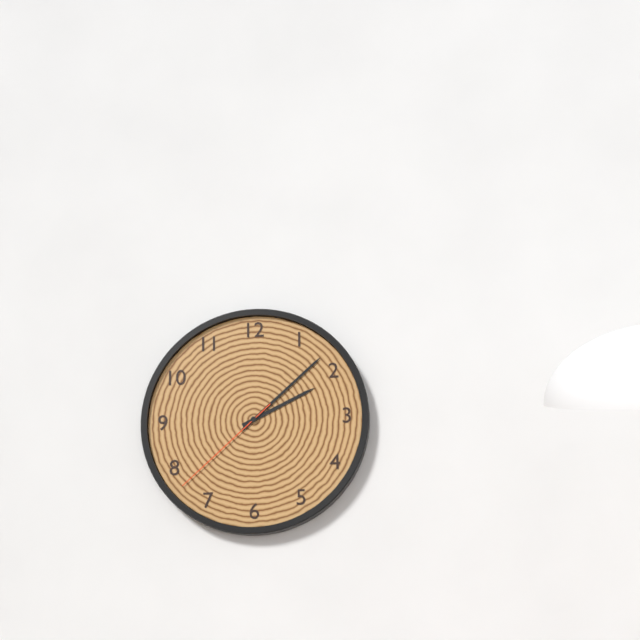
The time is 2:08:38
